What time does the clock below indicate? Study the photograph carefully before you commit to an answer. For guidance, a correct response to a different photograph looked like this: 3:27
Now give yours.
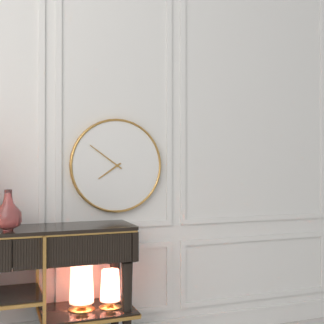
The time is 7:51
